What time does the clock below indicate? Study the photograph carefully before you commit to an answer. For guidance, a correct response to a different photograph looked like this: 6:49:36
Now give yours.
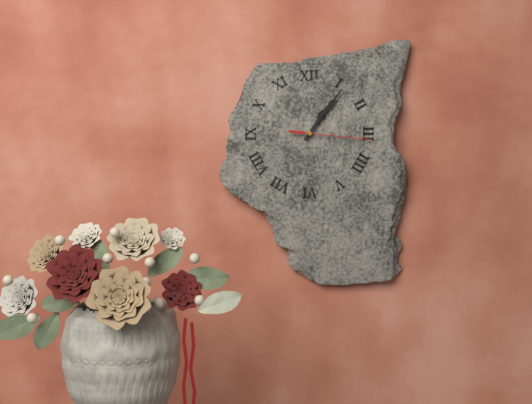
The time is 1:06:16
